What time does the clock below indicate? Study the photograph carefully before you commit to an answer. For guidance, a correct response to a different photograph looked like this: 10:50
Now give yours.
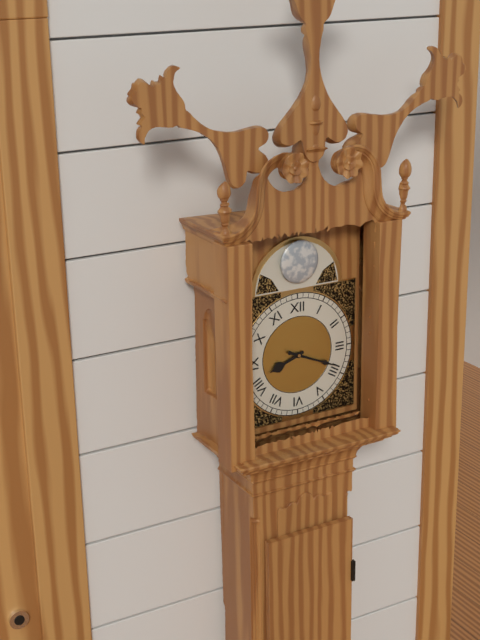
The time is 8:19
